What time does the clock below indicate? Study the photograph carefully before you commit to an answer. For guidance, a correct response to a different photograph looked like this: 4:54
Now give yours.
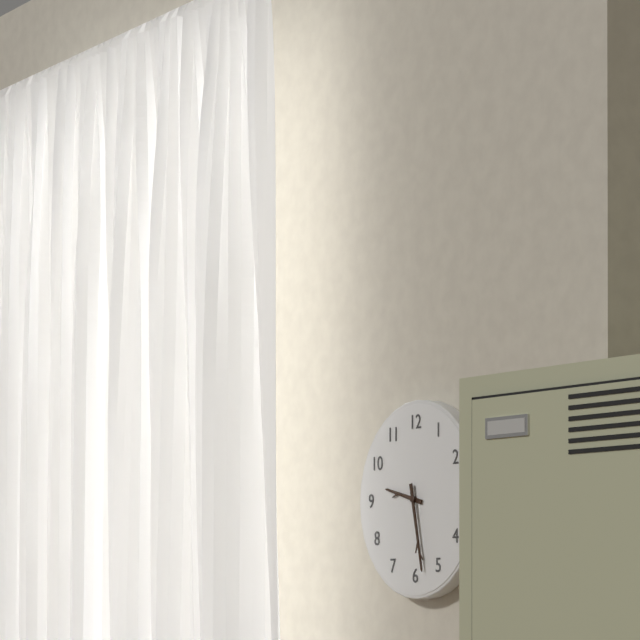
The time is 9:28
